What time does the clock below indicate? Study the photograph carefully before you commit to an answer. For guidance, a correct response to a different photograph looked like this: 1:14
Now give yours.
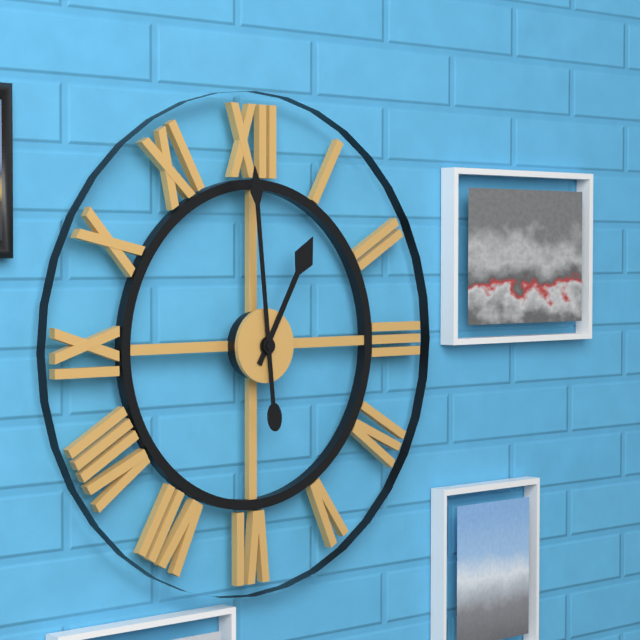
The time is 12:59
